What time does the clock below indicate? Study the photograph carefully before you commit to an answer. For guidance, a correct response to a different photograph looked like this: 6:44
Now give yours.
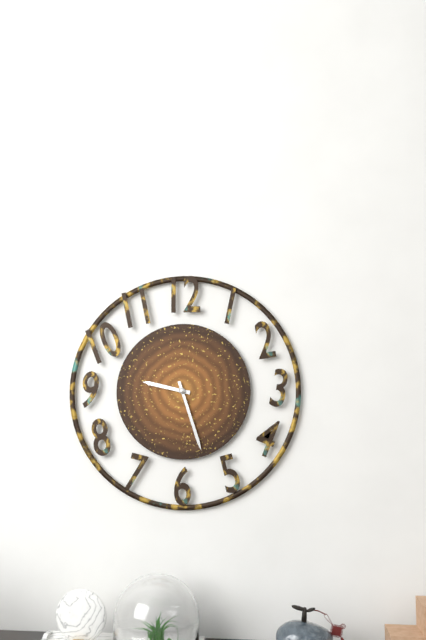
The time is 9:27
